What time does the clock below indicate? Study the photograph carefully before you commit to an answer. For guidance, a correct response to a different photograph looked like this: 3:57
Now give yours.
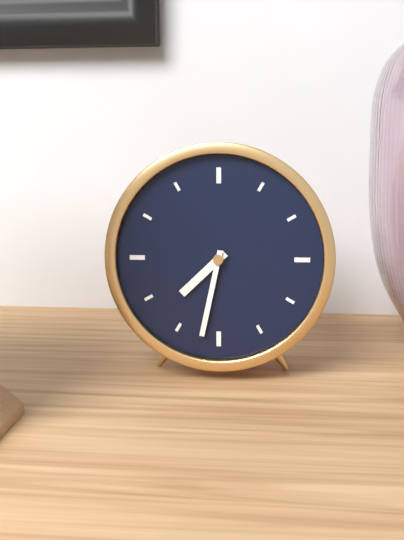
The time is 7:32
